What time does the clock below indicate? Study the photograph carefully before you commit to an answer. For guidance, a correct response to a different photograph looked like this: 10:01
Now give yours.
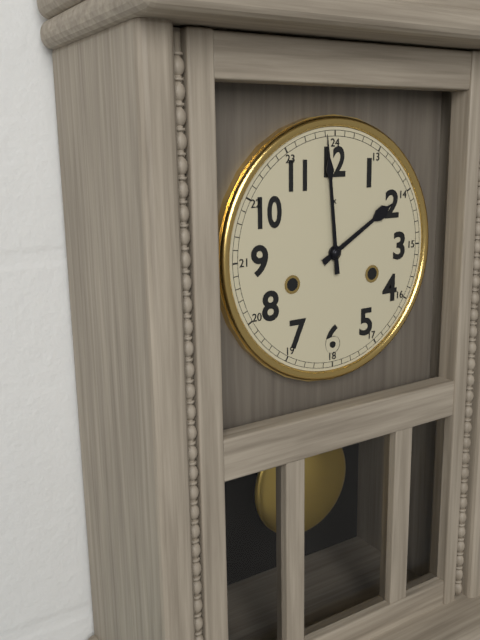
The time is 1:59
